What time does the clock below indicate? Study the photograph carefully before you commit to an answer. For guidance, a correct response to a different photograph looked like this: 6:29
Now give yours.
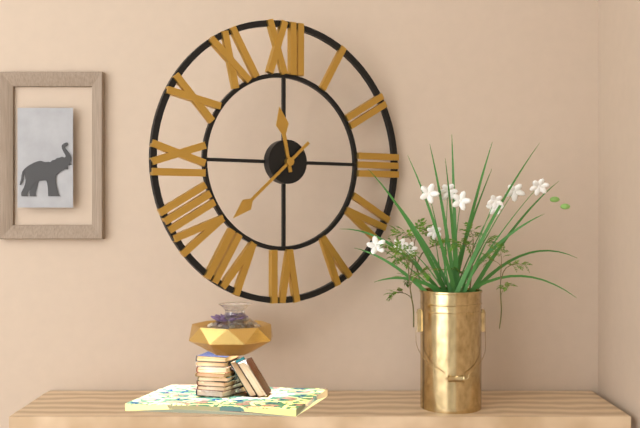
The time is 11:38
